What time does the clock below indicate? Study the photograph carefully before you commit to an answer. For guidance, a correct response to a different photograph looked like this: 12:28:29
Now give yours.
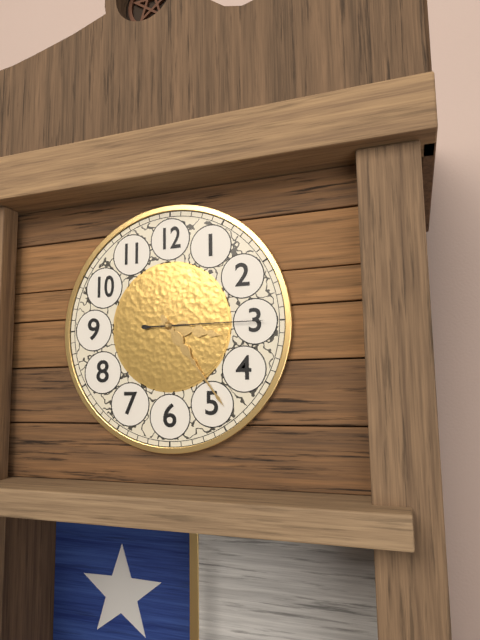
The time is 3:24:15
